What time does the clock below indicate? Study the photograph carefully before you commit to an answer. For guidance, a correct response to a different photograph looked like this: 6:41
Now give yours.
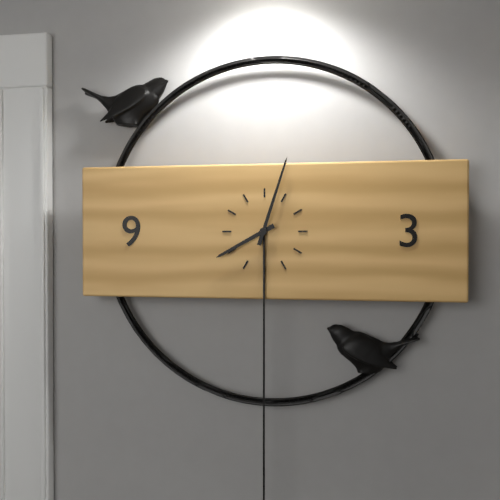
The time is 8:03
